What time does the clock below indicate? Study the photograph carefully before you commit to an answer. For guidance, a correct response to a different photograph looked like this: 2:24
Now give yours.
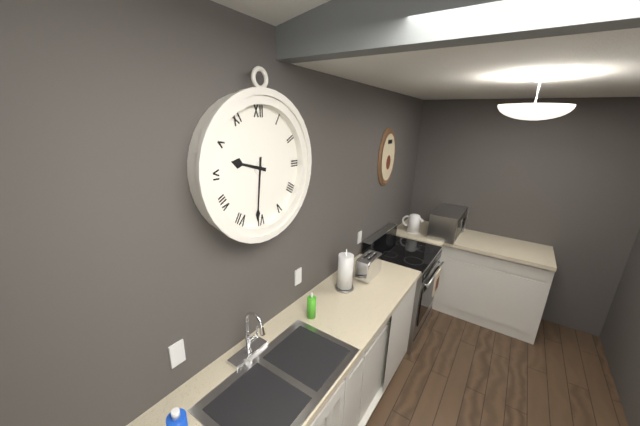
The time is 9:31
